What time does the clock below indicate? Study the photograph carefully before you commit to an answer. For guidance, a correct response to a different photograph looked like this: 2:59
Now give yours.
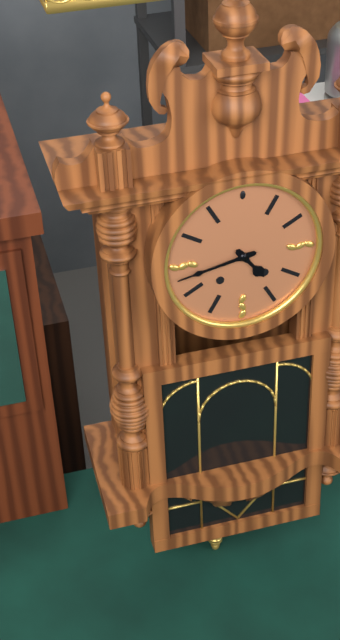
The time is 4:43
